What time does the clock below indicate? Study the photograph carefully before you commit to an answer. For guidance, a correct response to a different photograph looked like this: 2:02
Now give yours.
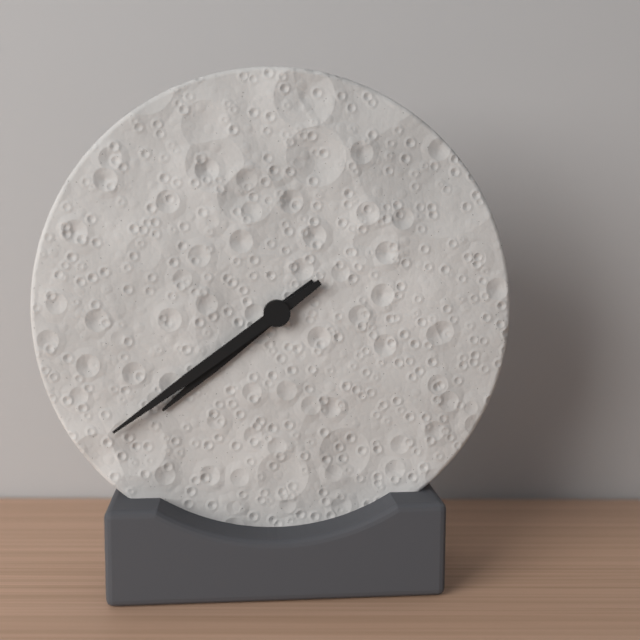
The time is 7:39
